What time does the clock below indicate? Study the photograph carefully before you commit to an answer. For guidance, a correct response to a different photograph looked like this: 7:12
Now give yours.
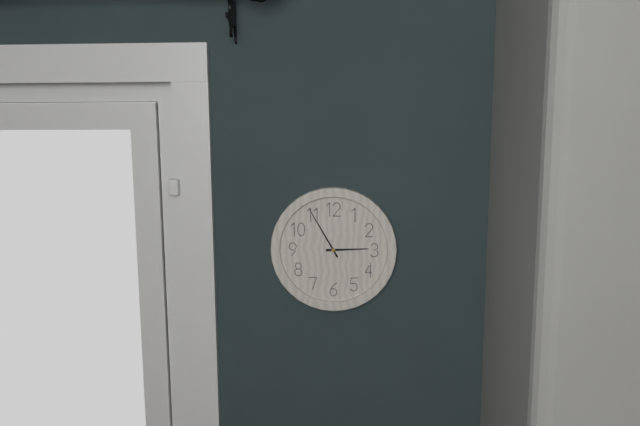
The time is 2:55
